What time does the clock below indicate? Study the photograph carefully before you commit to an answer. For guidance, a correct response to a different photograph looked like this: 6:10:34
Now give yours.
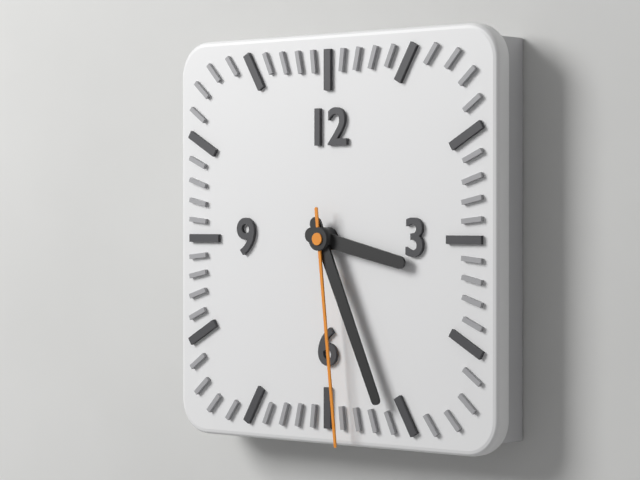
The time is 3:26:29
